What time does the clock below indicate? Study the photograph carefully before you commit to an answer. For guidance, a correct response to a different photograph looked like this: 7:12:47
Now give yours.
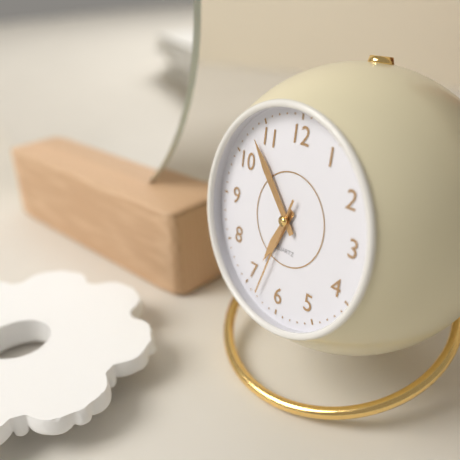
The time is 6:53:33
